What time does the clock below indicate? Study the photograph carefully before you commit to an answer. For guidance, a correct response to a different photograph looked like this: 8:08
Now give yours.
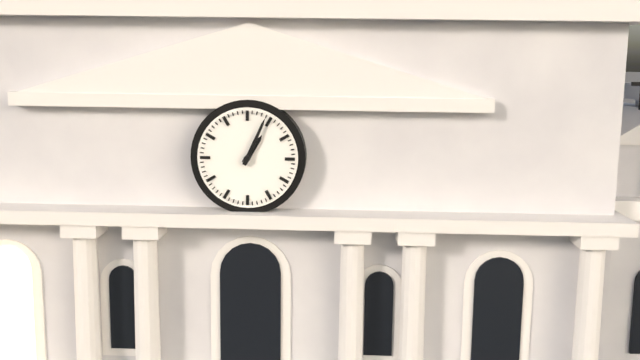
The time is 1:04
